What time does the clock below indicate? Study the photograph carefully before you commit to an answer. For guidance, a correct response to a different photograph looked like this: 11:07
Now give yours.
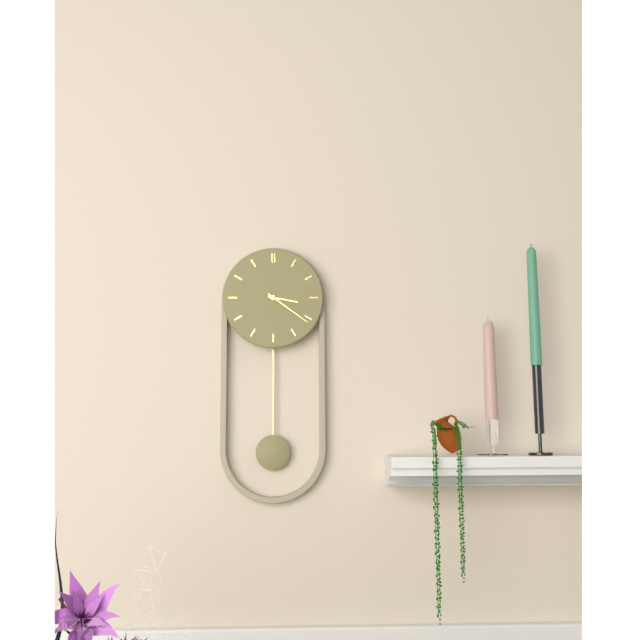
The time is 3:21
